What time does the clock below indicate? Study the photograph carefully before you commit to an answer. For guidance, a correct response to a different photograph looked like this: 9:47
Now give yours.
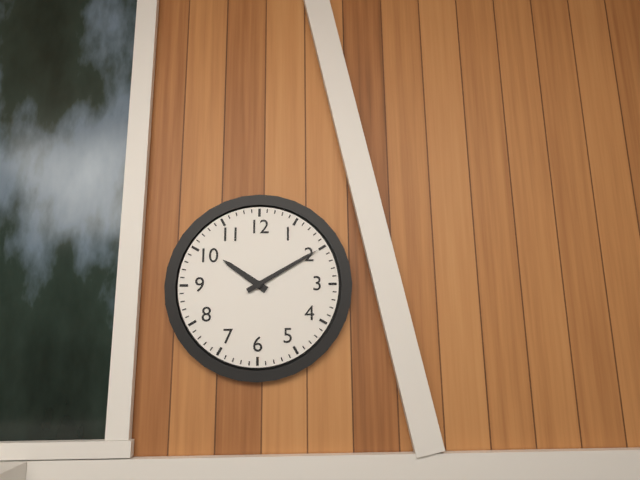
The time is 10:10
